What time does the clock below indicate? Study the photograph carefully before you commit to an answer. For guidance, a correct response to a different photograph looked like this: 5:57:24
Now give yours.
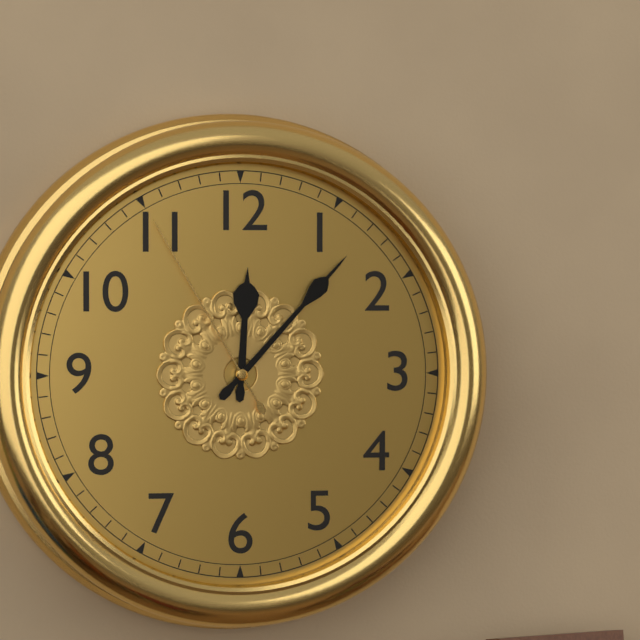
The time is 12:07:55
